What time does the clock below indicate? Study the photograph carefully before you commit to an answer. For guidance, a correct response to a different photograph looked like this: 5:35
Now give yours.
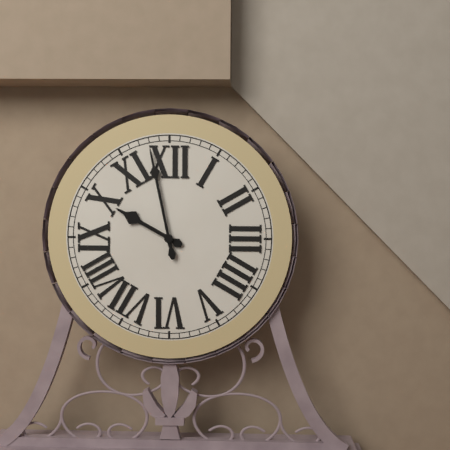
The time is 9:58
